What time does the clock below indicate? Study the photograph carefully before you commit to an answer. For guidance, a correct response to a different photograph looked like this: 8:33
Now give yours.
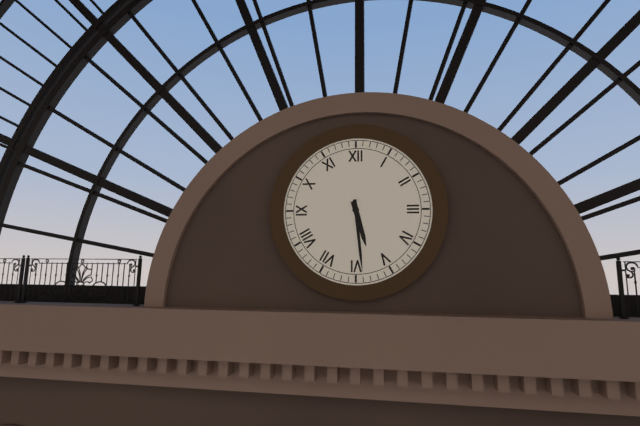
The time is 5:29
